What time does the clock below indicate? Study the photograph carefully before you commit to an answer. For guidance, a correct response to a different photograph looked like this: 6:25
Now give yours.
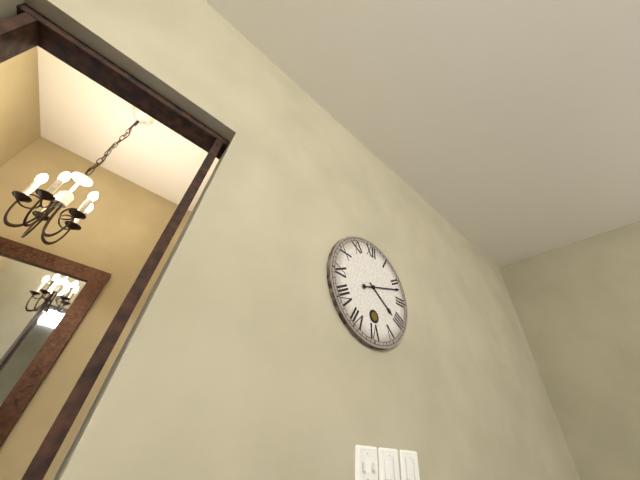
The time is 4:12
